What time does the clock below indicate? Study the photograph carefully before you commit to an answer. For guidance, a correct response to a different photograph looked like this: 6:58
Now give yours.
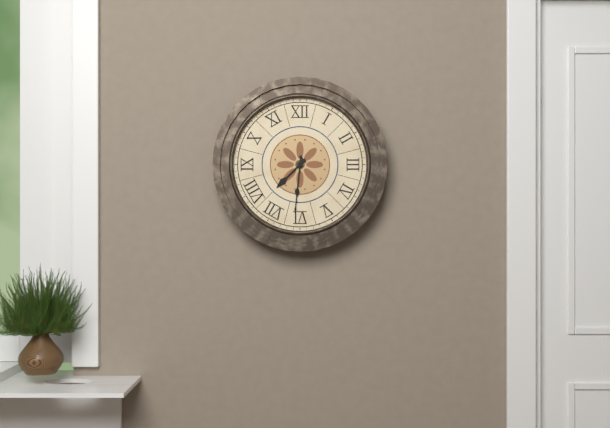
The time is 7:31
